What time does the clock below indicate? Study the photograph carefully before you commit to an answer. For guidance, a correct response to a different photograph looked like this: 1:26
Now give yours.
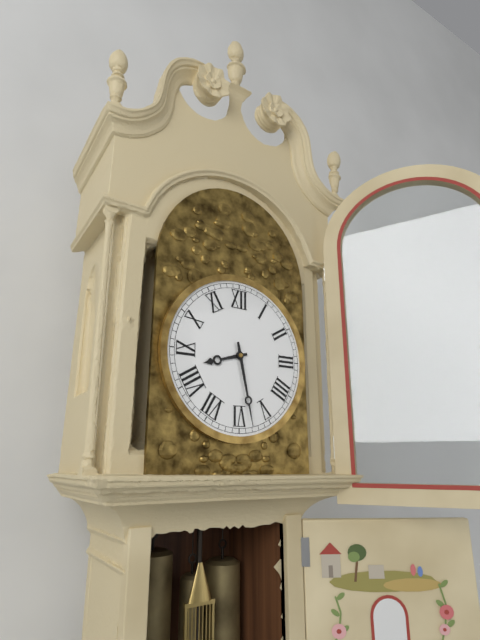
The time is 8:28
